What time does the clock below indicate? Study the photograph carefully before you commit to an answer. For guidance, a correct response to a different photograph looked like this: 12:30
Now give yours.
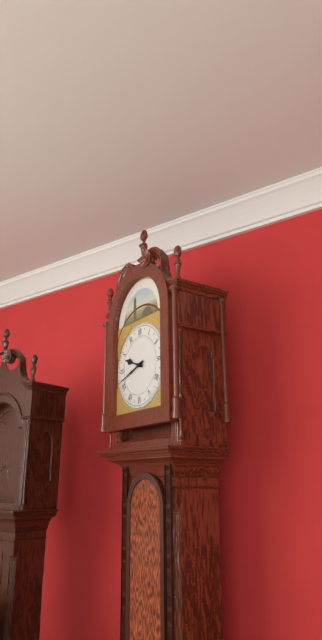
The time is 9:42
